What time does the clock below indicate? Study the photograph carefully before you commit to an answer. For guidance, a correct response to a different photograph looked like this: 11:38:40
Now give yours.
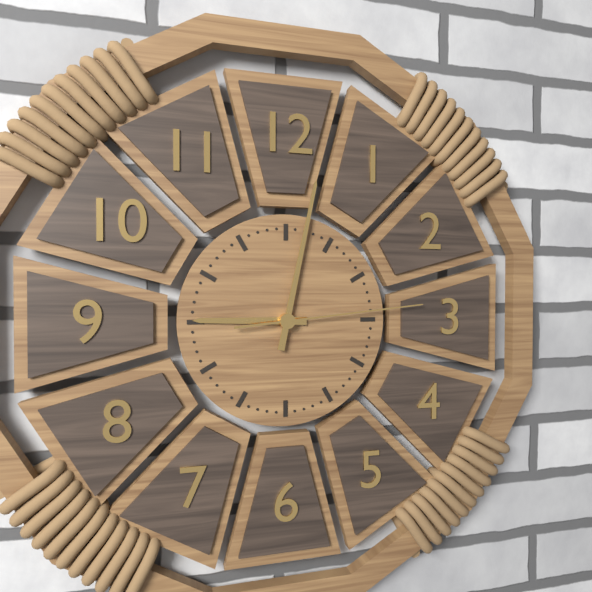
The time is 9:02:14
